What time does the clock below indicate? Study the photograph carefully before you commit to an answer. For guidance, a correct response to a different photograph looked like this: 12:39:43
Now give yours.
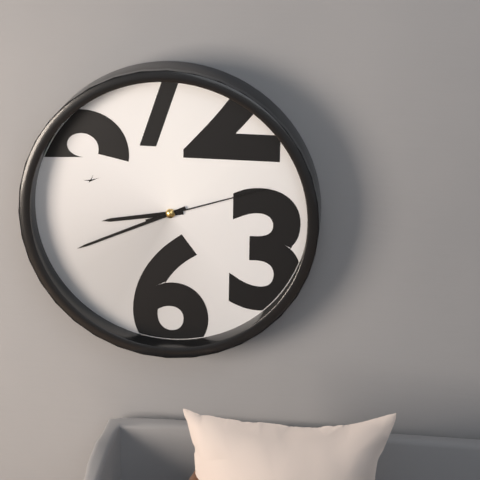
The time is 8:41:12
